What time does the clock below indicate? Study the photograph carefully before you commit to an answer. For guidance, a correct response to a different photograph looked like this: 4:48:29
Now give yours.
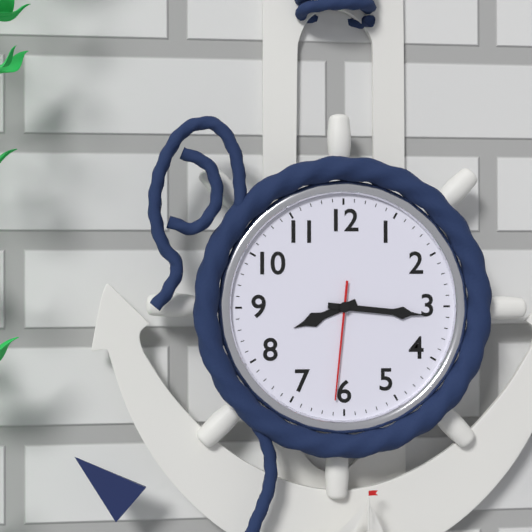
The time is 8:16:31
